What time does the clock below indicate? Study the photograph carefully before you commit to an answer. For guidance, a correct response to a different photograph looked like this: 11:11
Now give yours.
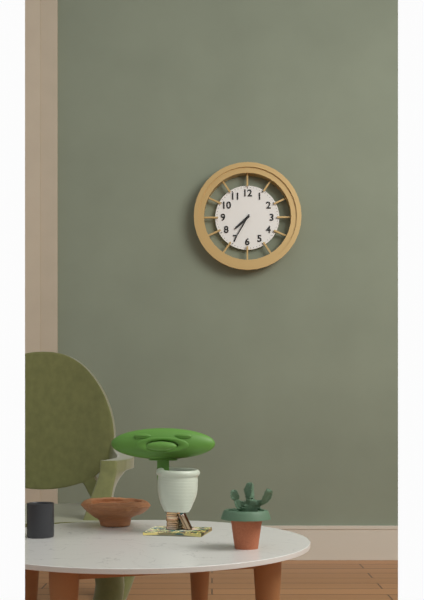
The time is 7:35
